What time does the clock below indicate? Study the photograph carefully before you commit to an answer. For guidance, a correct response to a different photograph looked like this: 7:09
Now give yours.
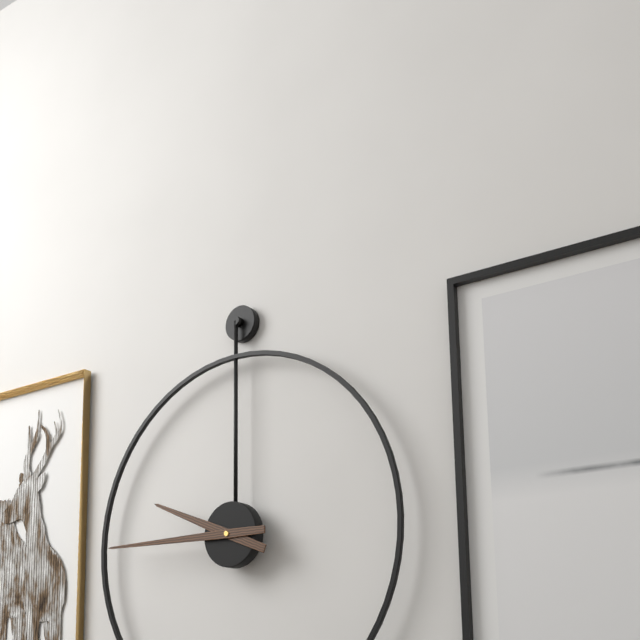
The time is 9:45
